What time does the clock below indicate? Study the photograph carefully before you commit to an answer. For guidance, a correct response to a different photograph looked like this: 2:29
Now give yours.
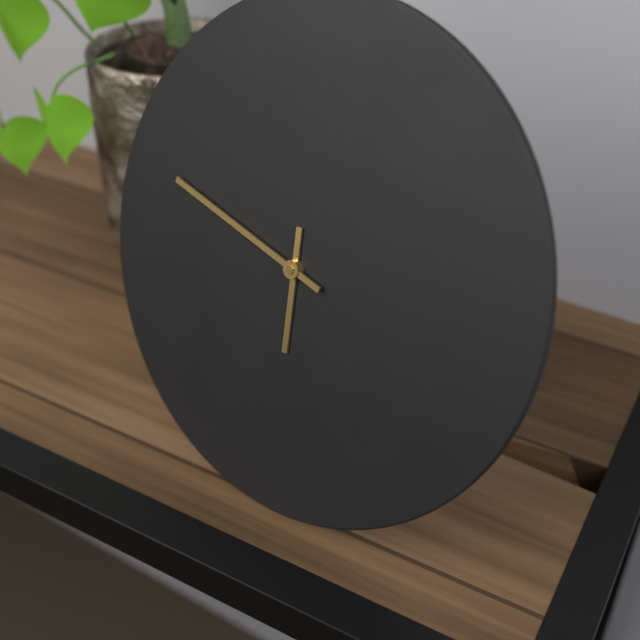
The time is 5:47
